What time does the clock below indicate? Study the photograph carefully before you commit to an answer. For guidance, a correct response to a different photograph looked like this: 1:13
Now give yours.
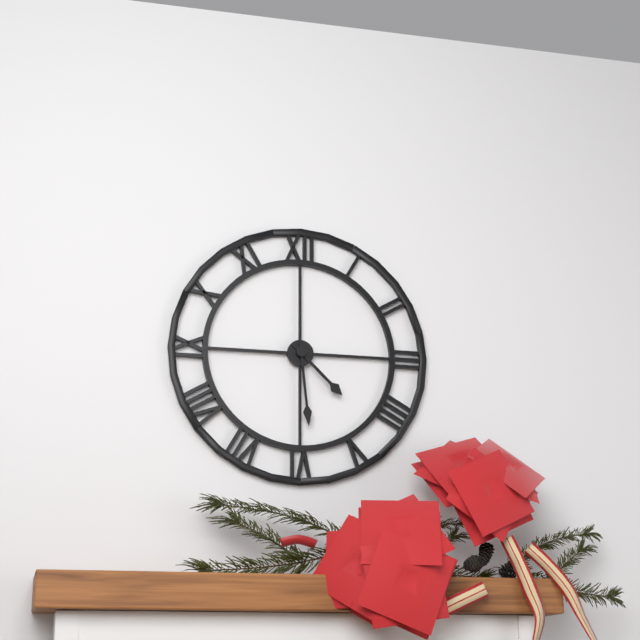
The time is 4:29
